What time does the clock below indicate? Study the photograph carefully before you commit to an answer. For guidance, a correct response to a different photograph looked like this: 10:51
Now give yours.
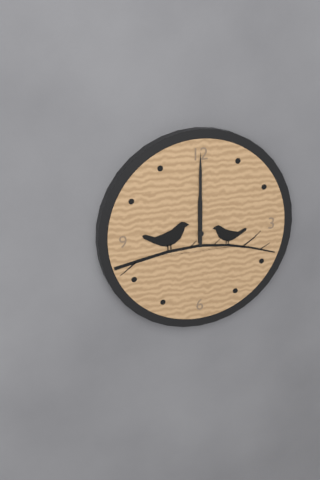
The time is 12:00
